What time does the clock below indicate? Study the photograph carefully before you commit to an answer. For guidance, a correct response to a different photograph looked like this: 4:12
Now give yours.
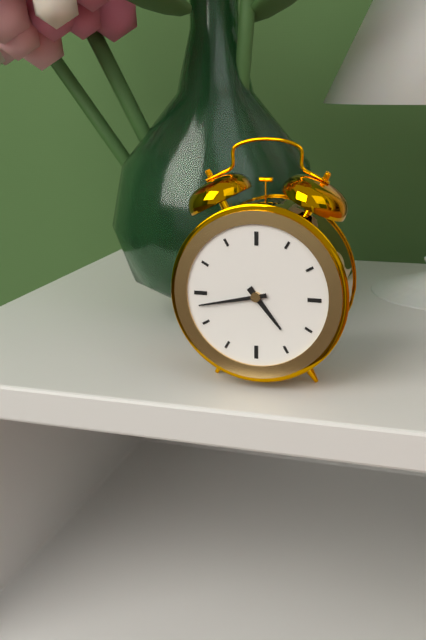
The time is 4:43
